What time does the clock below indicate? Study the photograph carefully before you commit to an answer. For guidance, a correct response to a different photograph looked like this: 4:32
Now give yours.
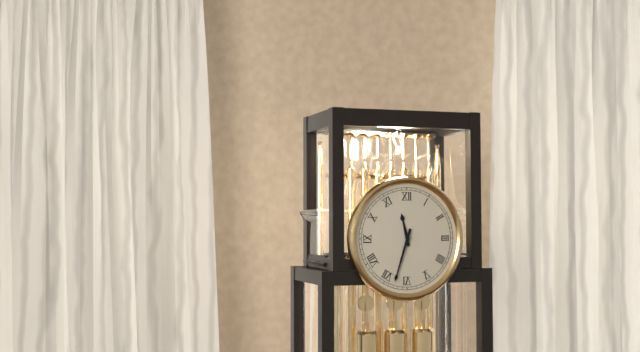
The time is 11:33
